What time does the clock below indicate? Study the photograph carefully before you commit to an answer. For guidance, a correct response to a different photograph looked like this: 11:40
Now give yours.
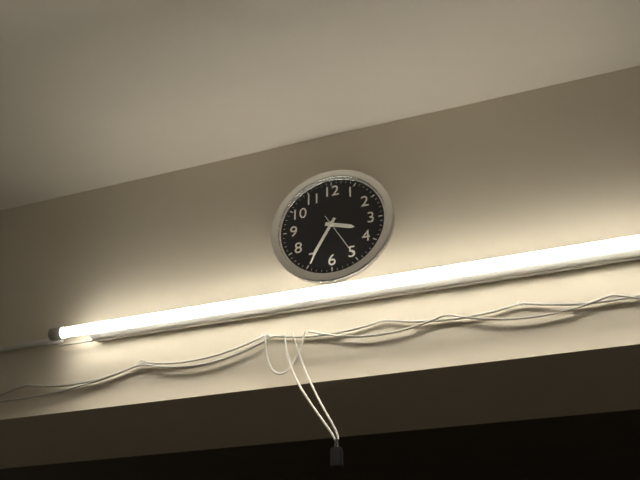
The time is 3:35
